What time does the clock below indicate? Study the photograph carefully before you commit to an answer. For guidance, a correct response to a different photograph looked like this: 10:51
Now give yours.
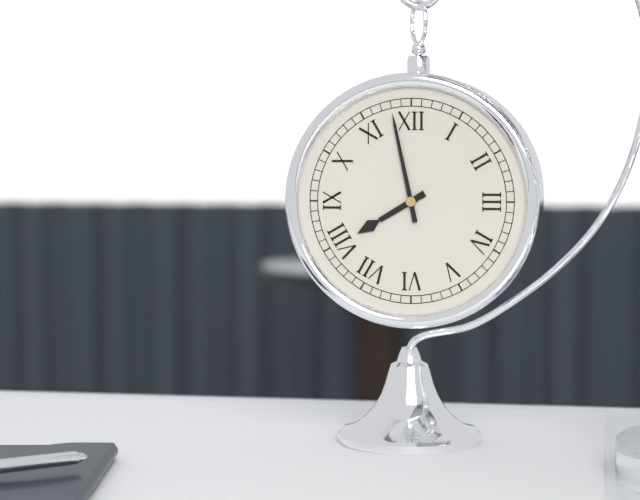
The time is 7:58
